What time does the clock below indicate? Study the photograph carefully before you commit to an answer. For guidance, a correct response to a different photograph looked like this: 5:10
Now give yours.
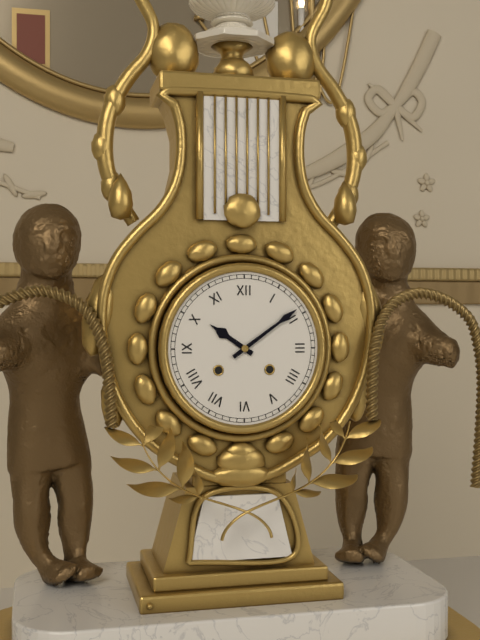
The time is 10:09
